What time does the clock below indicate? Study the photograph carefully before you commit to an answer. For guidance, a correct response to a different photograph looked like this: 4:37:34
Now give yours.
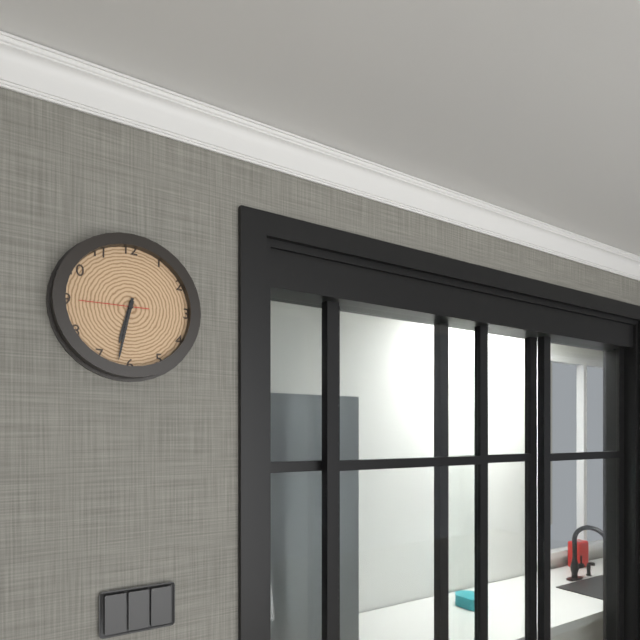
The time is 6:32:45
